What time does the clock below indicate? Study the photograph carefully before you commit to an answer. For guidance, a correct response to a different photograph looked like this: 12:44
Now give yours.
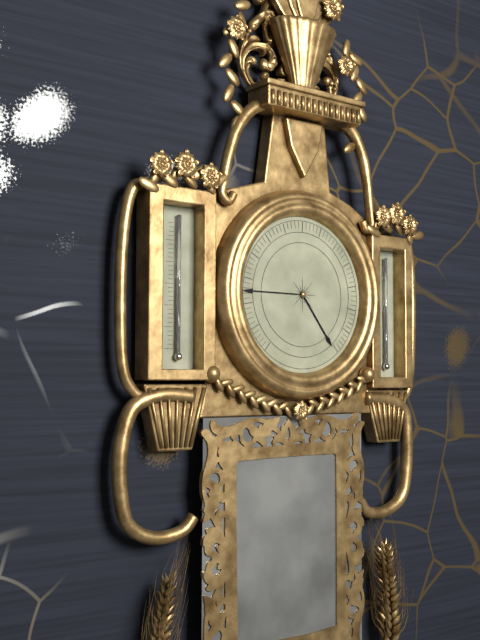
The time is 4:45
